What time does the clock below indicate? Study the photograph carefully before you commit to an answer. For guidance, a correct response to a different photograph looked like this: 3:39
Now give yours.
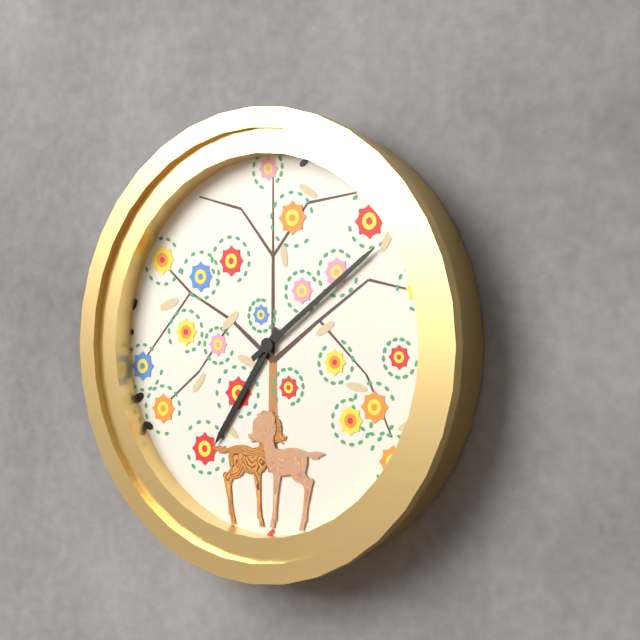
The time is 7:09
